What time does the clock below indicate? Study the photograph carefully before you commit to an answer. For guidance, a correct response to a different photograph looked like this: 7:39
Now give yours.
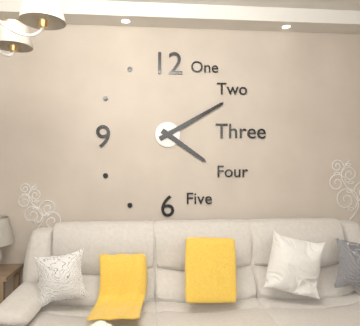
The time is 4:10
